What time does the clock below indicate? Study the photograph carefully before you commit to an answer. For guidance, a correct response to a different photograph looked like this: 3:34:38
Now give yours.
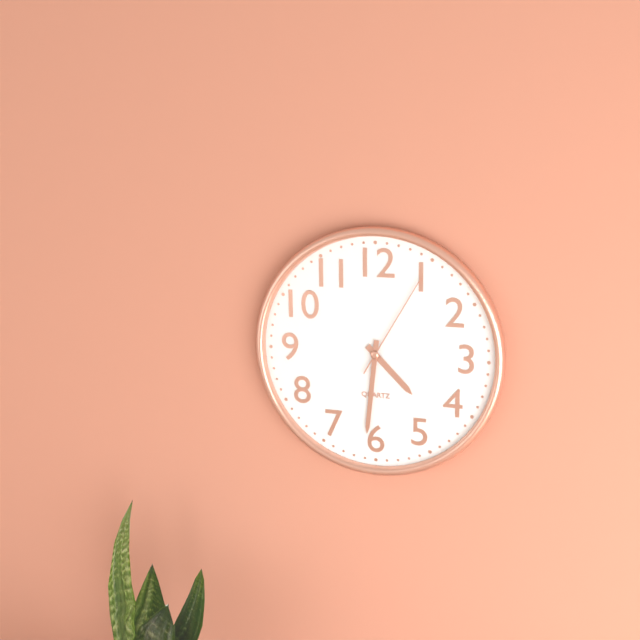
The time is 4:31:05
